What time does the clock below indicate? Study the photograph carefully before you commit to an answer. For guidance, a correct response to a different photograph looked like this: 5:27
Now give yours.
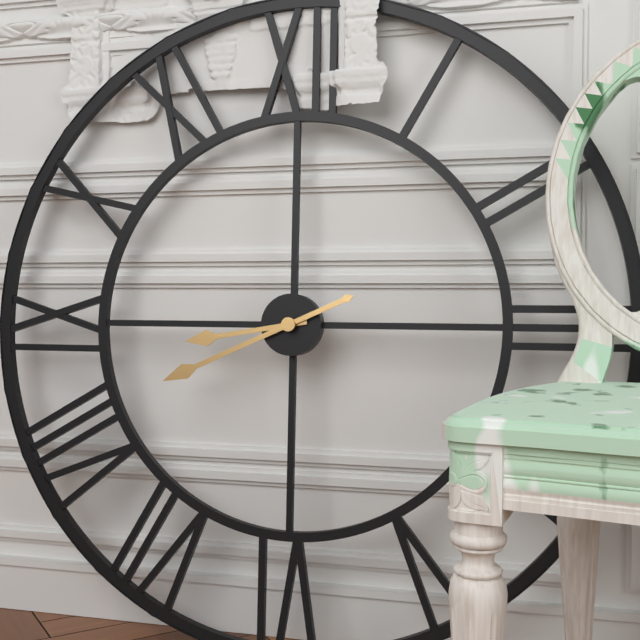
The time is 8:41
